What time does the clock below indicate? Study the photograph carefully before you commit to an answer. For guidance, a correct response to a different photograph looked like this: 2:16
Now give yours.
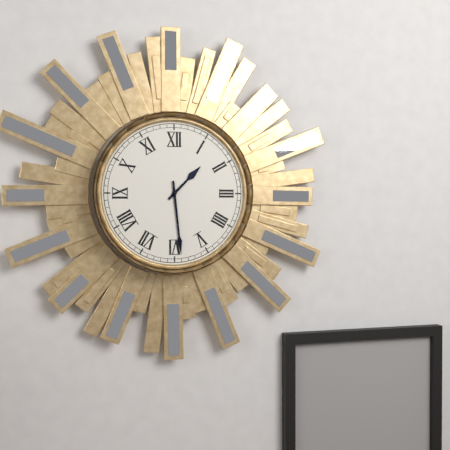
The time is 1:29
